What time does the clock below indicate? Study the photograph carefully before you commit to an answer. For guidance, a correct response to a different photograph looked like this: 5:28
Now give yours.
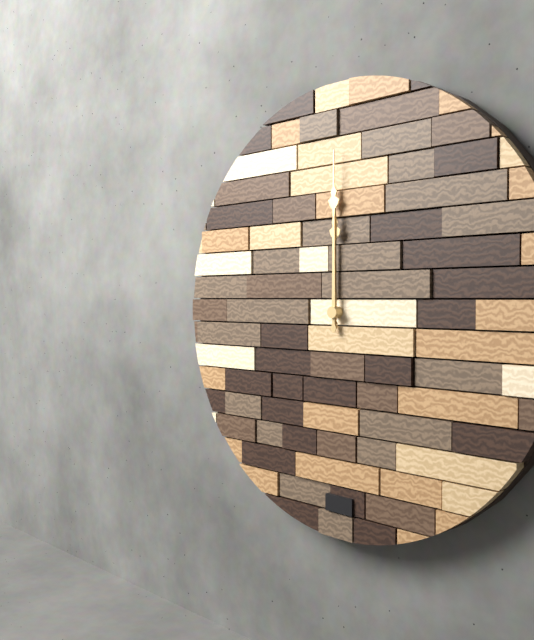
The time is 12:00
